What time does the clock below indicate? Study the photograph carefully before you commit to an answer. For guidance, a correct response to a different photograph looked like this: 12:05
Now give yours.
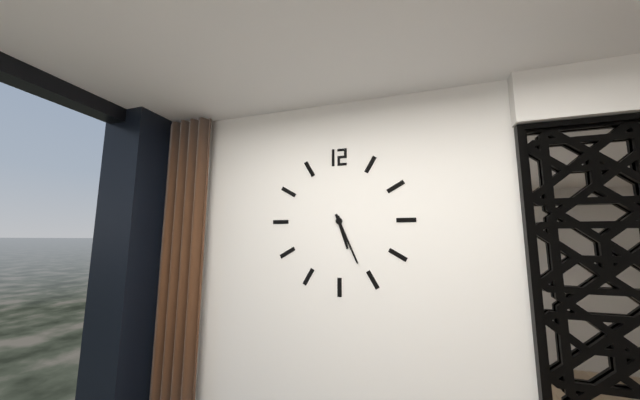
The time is 5:26
